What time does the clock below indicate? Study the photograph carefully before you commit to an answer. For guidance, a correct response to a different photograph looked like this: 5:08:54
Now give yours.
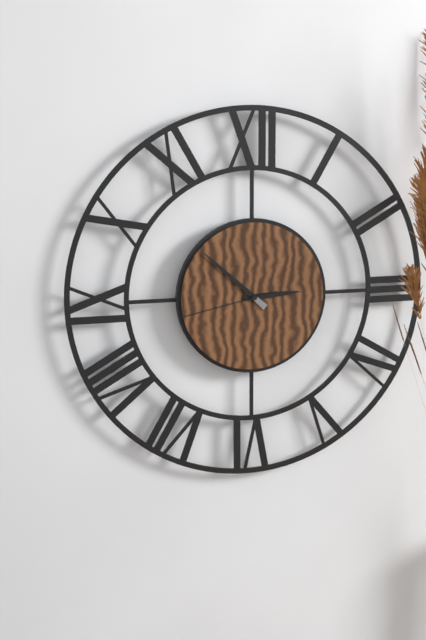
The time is 2:52:43
